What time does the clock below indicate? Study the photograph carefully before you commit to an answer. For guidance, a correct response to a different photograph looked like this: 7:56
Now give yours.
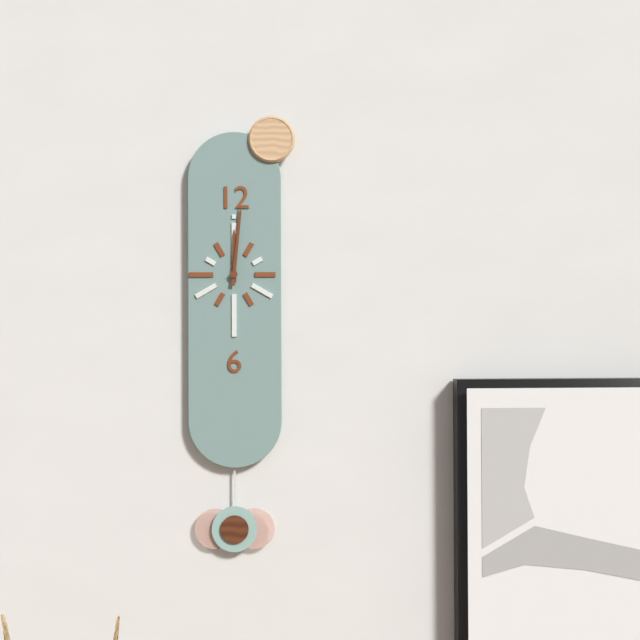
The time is 12:01
